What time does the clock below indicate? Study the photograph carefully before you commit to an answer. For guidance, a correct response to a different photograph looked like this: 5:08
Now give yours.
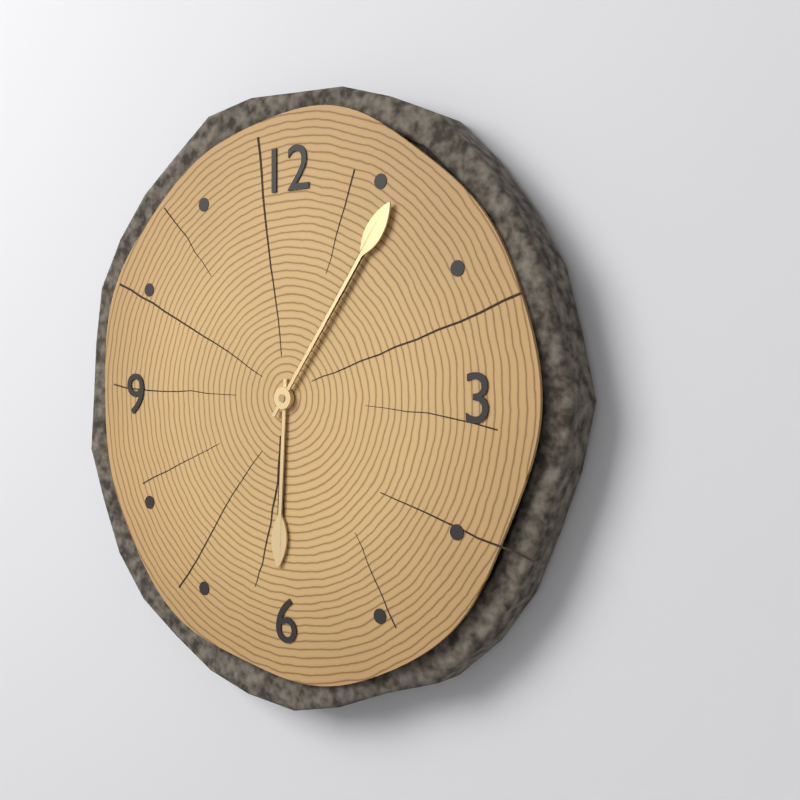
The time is 6:06
